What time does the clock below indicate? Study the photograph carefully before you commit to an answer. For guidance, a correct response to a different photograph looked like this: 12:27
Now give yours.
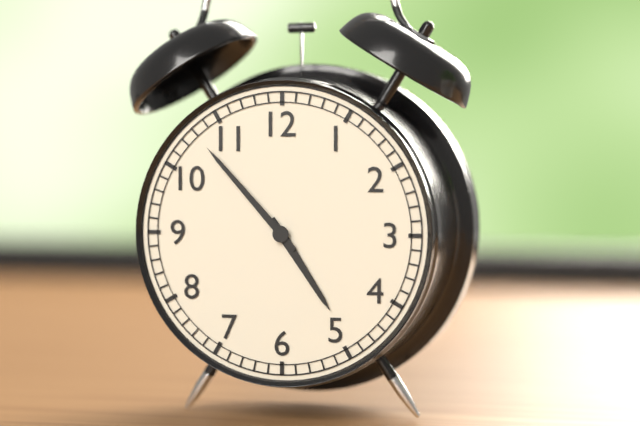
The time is 4:53
